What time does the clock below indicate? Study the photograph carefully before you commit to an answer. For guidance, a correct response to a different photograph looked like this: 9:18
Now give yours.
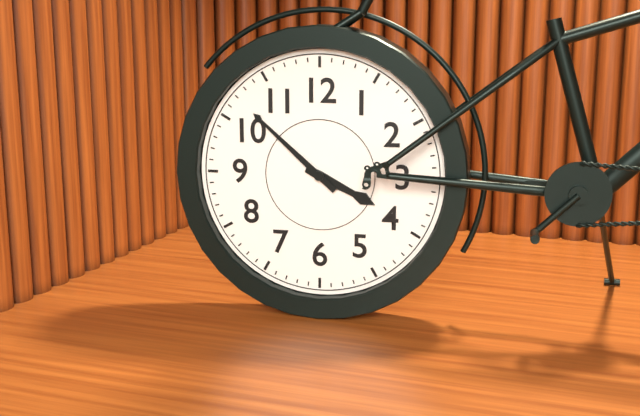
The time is 3:52
